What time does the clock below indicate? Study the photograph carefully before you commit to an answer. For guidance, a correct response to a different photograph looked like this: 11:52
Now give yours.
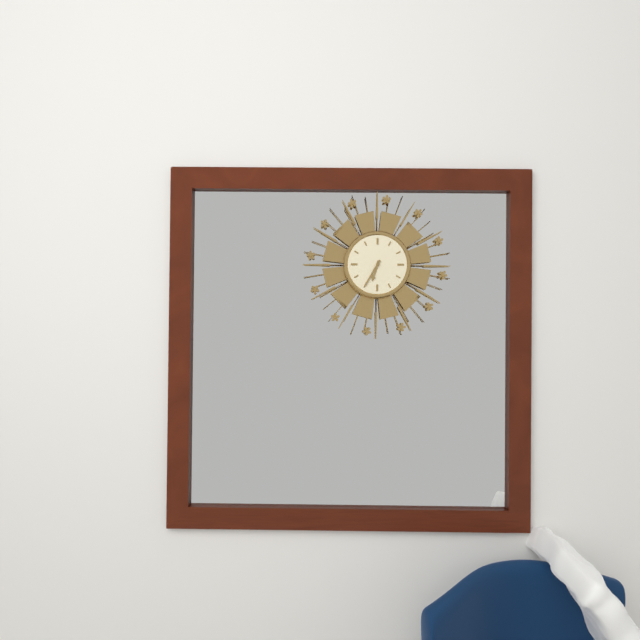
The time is 6:35
